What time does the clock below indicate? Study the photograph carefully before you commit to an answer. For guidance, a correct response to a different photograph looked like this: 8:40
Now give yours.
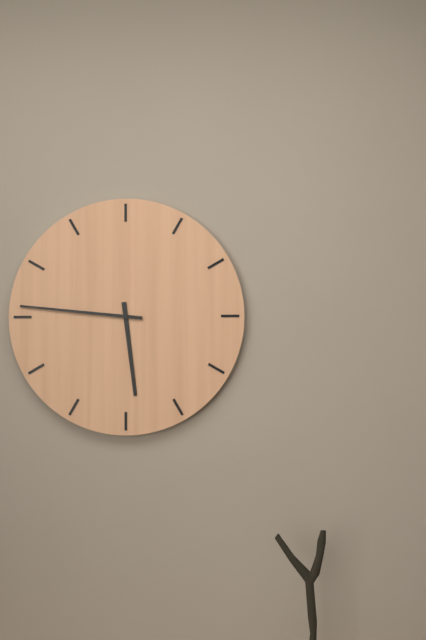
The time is 5:46
